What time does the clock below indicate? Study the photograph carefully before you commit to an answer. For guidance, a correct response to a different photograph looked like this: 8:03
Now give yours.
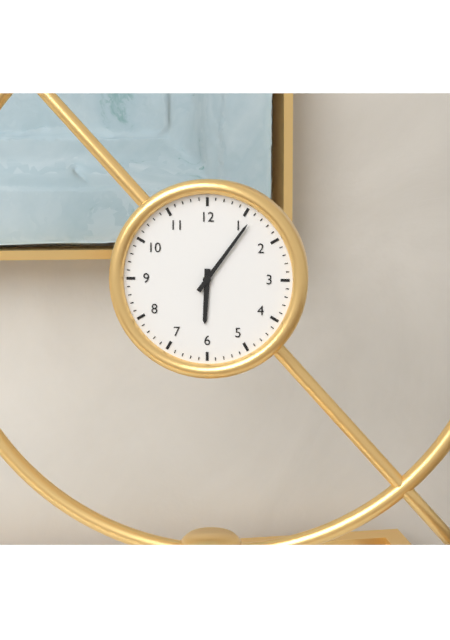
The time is 6:06
